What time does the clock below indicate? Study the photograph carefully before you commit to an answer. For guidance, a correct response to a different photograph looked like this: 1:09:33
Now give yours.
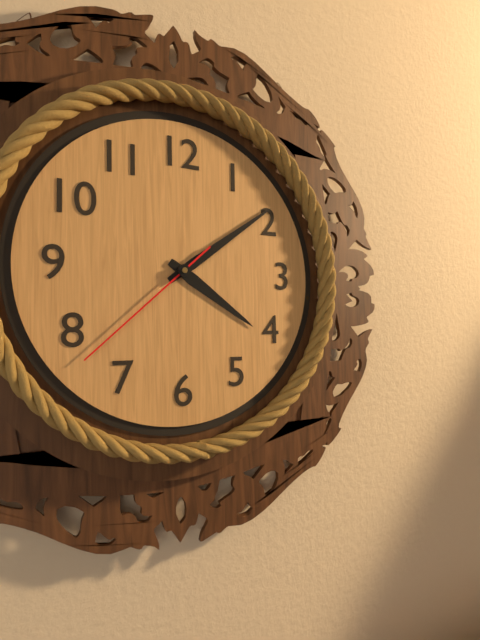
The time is 4:09:38
